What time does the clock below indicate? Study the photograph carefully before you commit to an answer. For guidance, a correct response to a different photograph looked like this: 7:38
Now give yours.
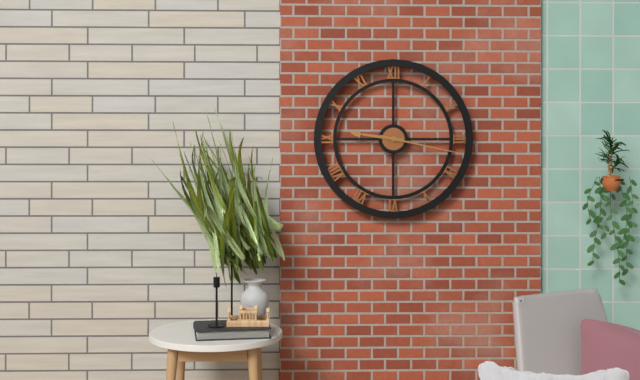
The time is 9:17
